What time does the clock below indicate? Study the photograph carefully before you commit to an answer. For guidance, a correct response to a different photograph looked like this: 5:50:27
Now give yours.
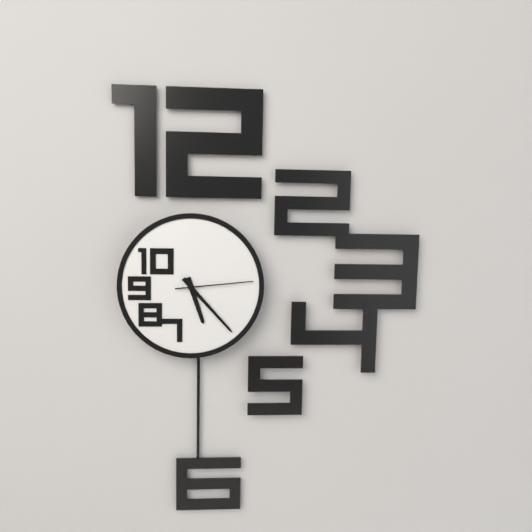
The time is 5:23:14
